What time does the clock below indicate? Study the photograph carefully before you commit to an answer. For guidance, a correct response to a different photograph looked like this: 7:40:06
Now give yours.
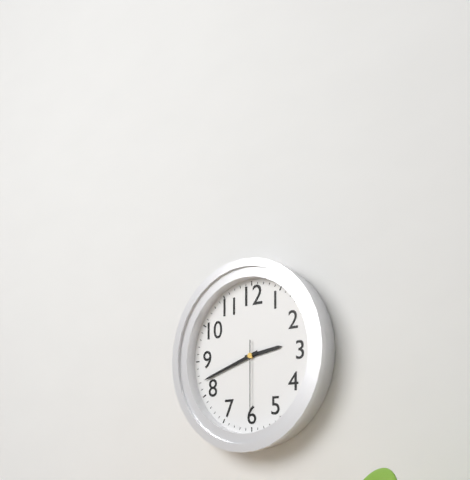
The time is 2:42:30
